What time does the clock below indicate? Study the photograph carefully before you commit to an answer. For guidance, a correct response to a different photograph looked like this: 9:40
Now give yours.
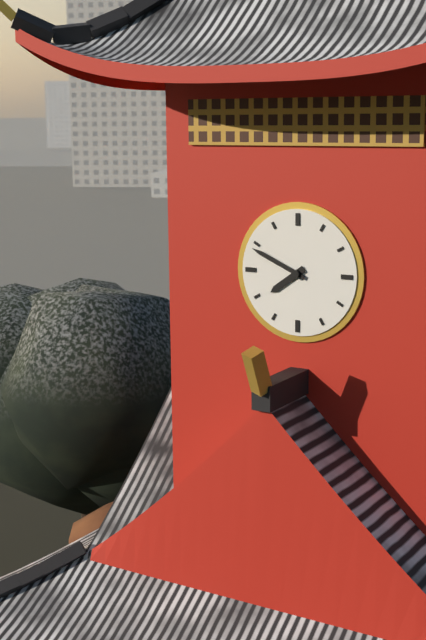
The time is 7:49
